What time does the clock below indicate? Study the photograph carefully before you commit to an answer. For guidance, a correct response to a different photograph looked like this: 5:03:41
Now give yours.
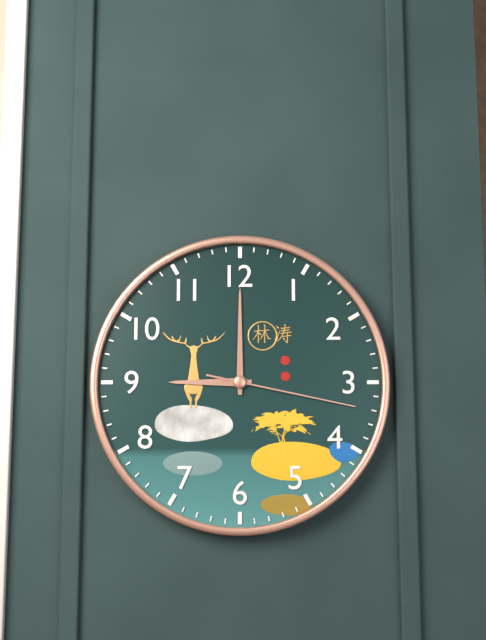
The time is 9:00:17
